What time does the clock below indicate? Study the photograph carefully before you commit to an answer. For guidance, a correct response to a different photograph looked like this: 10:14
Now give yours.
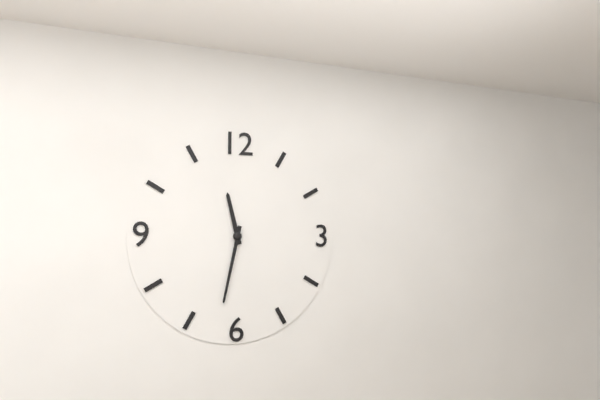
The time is 11:32
